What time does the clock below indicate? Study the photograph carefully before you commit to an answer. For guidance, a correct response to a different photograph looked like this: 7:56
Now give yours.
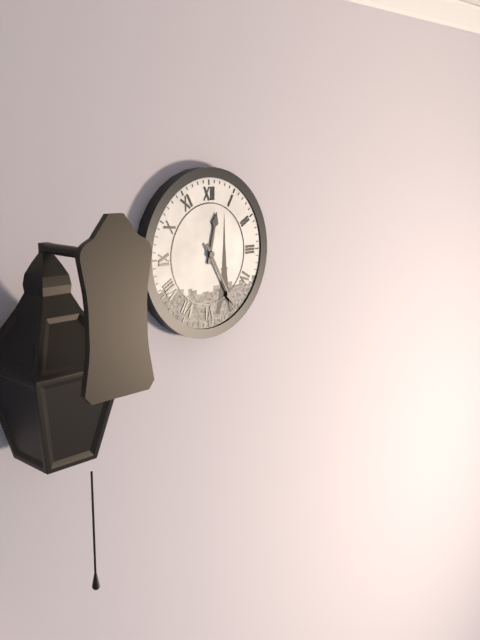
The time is 12:25
